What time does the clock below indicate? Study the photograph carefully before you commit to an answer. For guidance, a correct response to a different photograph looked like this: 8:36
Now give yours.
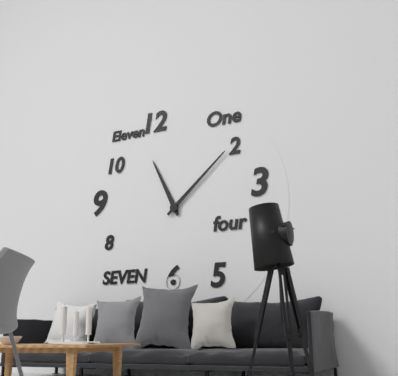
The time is 11:08
